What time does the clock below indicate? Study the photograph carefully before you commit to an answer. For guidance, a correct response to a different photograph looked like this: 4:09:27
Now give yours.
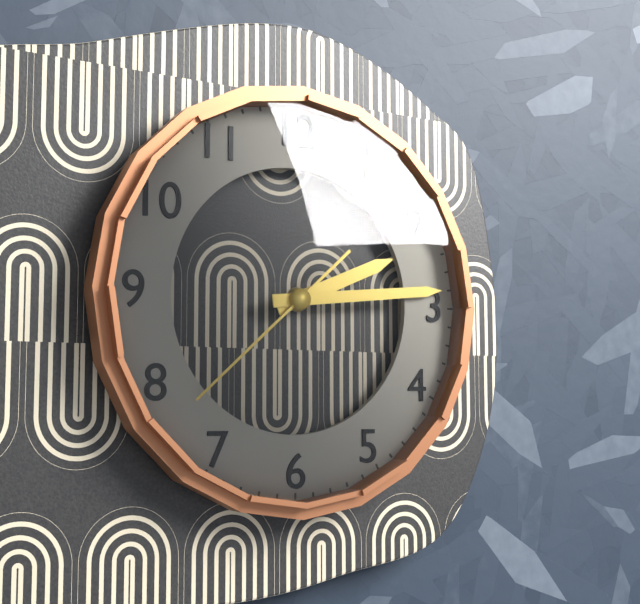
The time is 2:14:38
